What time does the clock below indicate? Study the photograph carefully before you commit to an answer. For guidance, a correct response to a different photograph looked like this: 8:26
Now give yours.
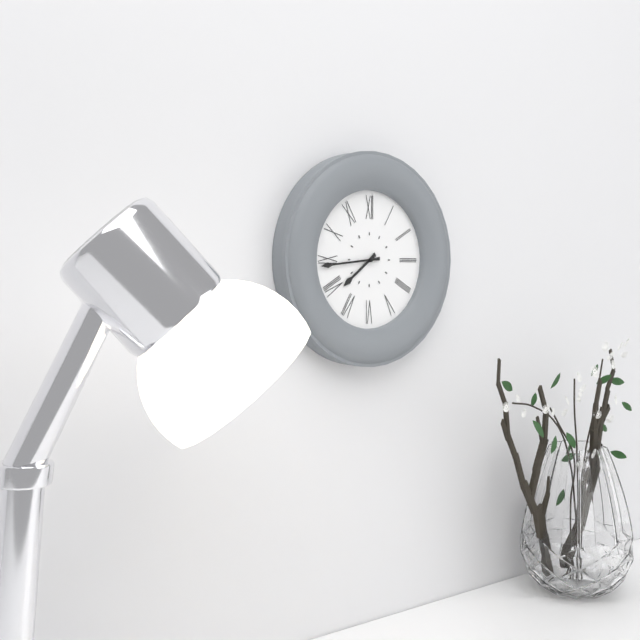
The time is 7:44
